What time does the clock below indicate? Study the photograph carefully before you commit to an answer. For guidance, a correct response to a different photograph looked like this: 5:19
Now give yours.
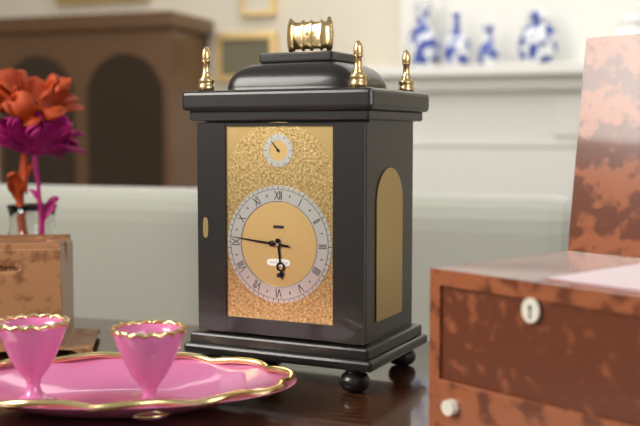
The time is 5:46
